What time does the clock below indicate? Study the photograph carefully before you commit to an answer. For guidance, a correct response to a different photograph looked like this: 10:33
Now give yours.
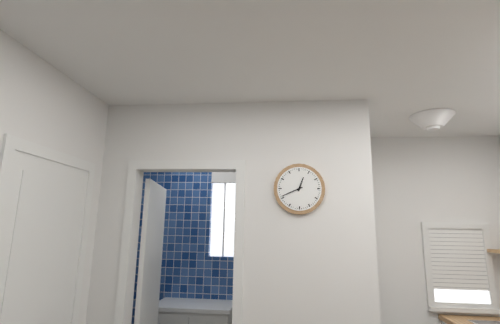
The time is 12:41
